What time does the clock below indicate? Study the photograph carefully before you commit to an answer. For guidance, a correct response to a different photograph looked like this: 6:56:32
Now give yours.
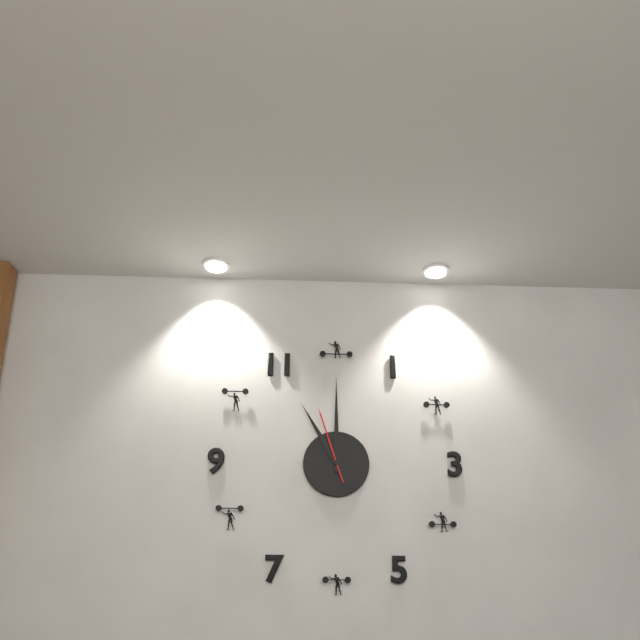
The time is 11:00:57
